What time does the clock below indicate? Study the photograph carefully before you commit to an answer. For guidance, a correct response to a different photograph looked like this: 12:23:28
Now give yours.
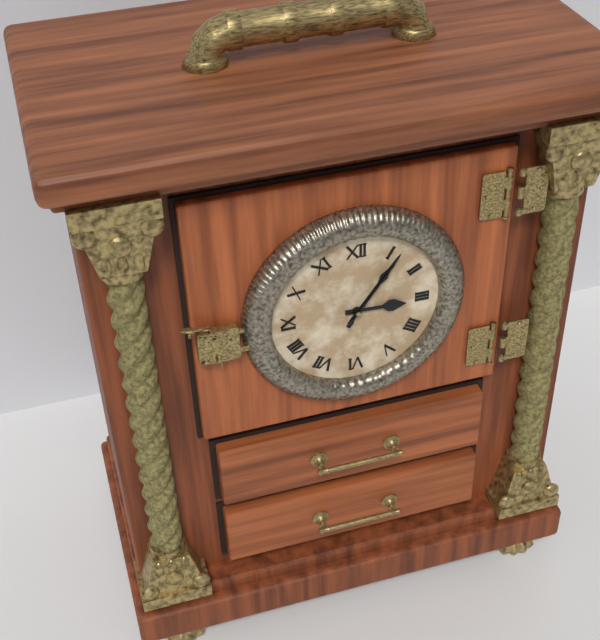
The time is 3:06:06
